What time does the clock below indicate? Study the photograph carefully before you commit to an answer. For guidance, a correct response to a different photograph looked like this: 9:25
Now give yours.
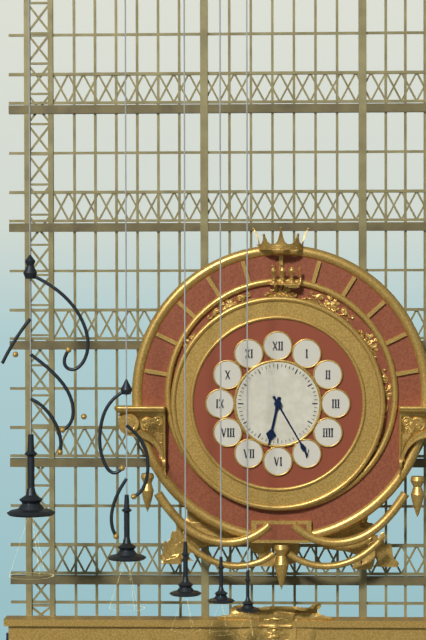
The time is 6:25
